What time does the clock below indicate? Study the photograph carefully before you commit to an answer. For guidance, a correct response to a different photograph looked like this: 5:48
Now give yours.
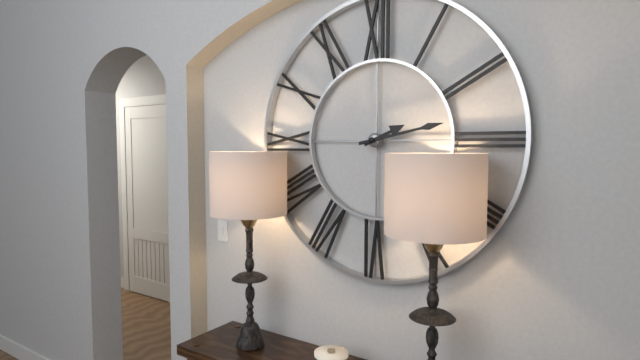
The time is 2:13
